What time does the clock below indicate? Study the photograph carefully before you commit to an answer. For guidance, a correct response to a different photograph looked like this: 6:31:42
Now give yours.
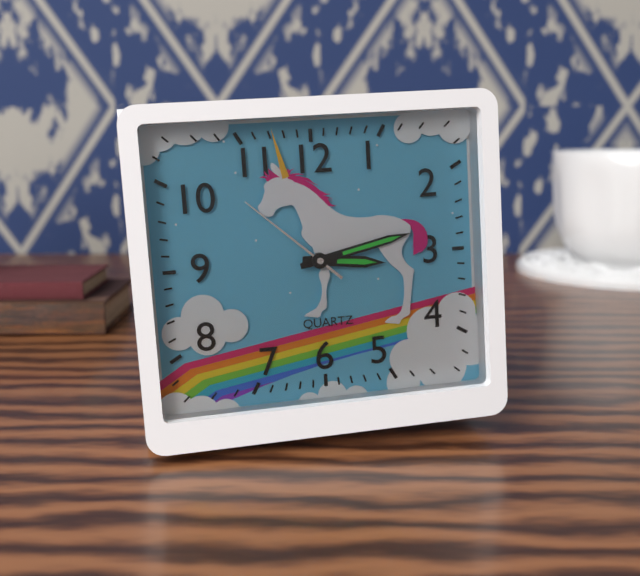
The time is 3:13:52
